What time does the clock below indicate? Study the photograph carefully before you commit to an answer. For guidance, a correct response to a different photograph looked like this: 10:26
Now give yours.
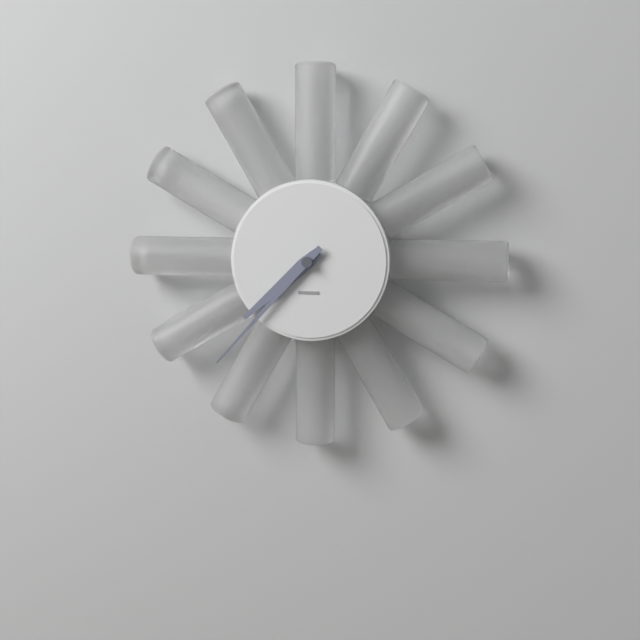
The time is 7:37
